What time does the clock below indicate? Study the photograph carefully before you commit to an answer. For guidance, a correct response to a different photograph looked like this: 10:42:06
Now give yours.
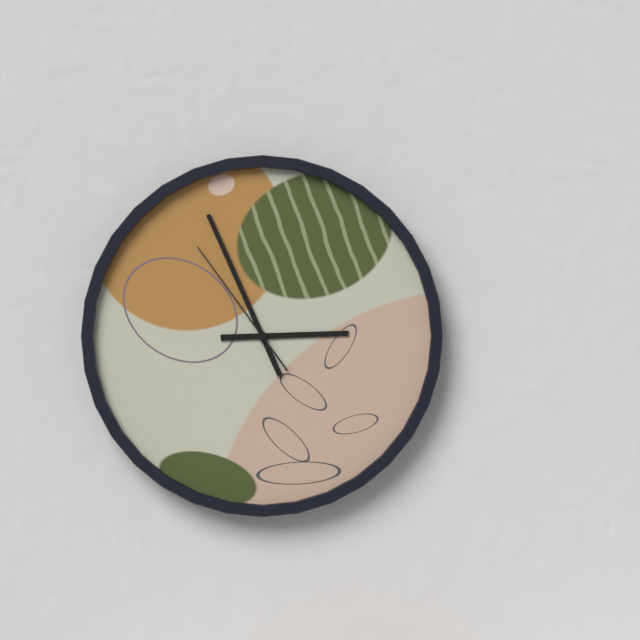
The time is 2:56:54
